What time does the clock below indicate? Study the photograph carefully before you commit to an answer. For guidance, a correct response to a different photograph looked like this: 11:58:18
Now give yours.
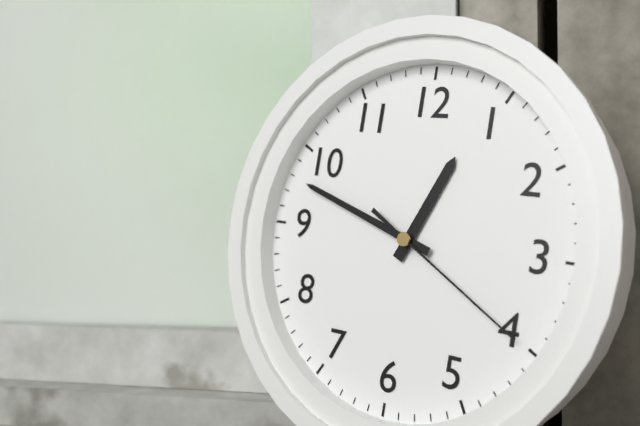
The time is 12:48:20
